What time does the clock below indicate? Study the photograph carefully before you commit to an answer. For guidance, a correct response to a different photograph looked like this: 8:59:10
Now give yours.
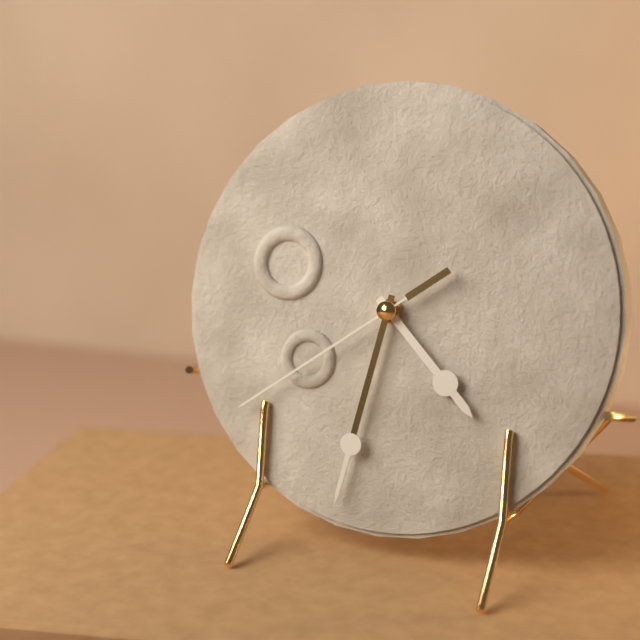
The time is 4:32:39
